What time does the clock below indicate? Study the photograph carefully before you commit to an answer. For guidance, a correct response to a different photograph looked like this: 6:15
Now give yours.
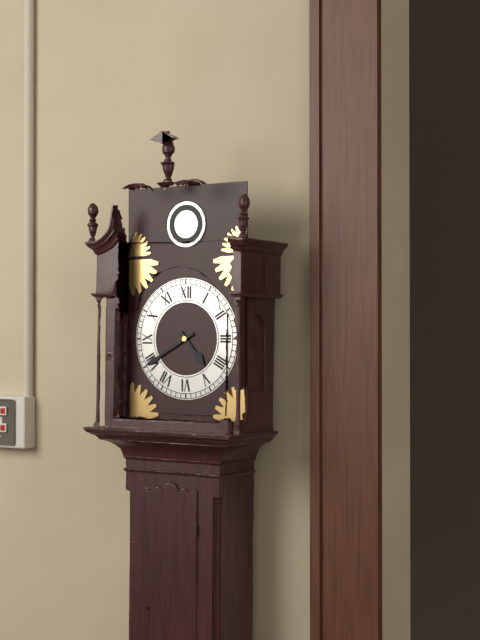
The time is 4:40
